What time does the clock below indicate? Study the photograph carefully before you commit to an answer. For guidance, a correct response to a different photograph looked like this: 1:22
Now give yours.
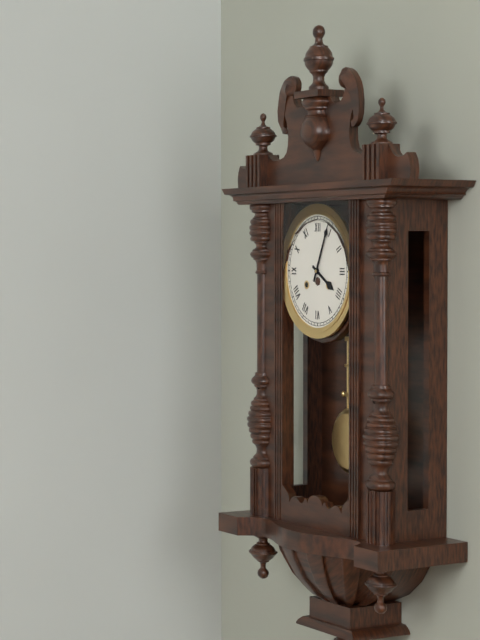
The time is 4:04
